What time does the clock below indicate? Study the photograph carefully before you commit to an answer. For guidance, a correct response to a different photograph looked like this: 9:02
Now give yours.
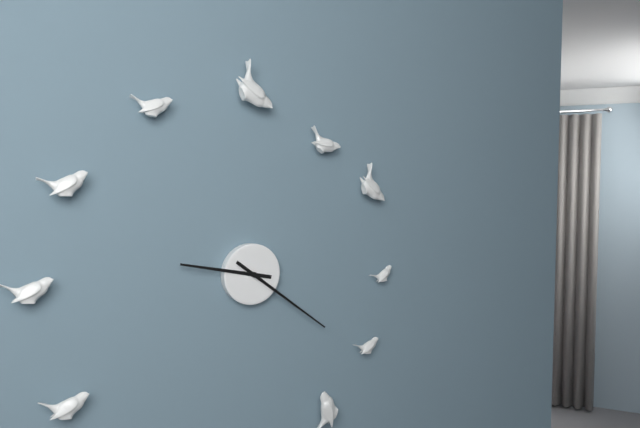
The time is 9:21
